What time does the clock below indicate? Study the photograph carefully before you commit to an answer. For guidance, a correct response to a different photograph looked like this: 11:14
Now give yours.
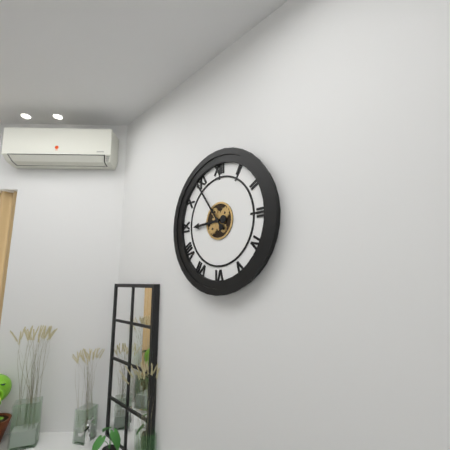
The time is 8:54
